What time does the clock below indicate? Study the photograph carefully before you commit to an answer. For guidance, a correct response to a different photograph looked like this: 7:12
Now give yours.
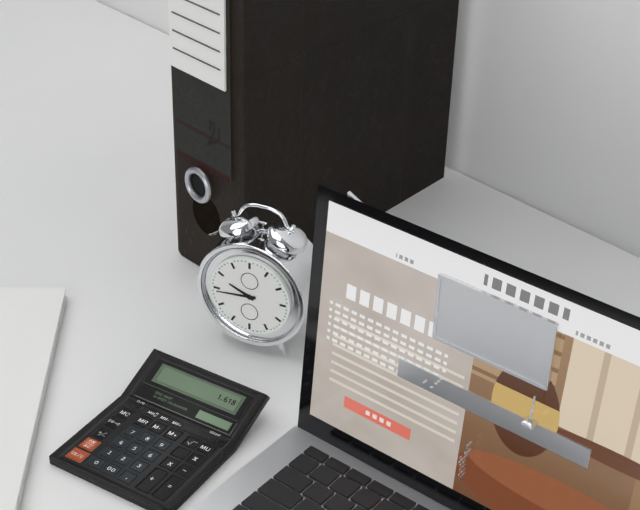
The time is 9:44
